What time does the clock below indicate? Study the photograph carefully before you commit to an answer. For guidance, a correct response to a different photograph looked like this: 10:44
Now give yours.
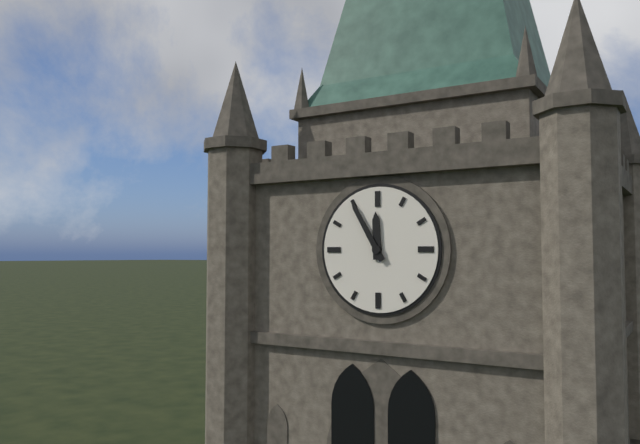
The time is 11:55
